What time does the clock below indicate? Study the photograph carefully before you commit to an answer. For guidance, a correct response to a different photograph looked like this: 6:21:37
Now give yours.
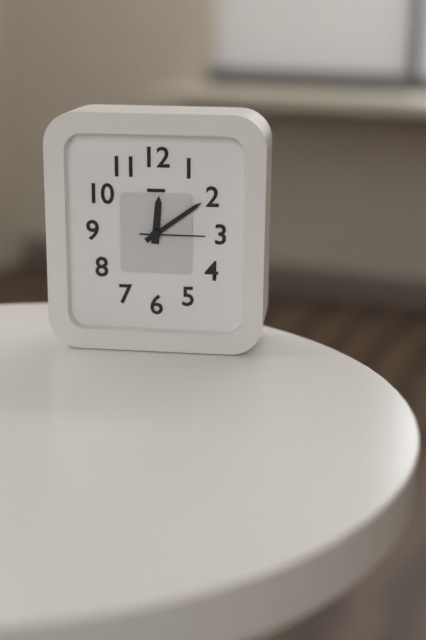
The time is 12:09:15
